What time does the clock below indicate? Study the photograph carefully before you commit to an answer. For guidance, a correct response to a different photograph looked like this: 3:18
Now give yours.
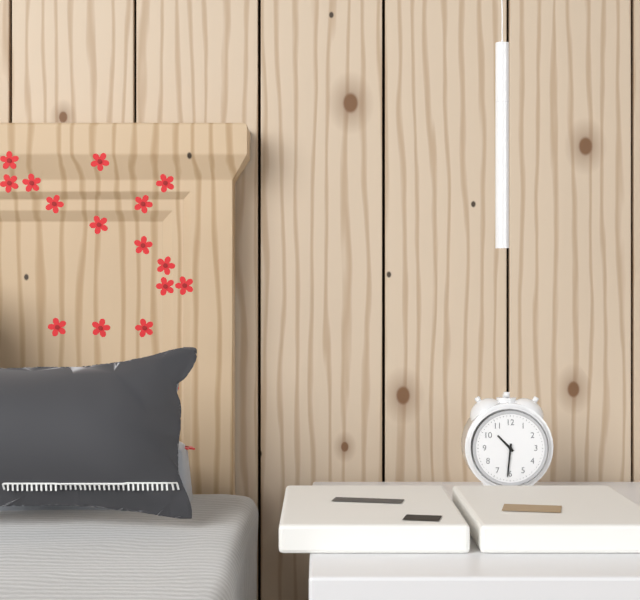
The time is 10:31
